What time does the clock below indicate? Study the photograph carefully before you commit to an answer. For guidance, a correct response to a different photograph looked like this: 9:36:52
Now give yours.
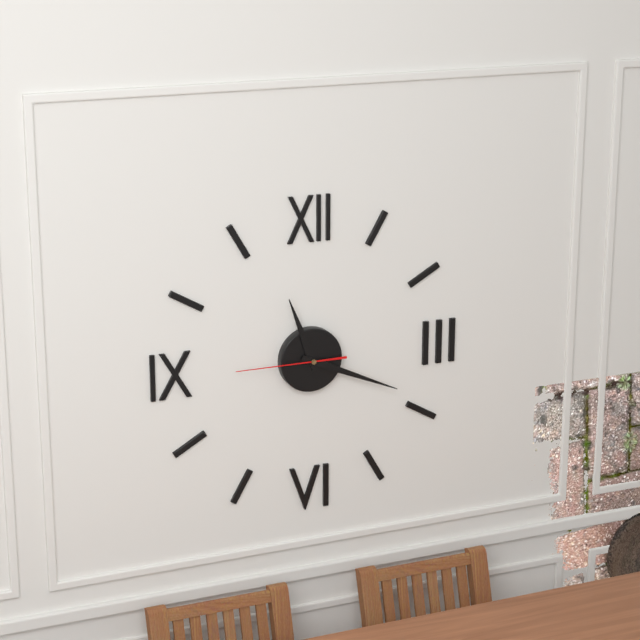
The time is 11:19:45
